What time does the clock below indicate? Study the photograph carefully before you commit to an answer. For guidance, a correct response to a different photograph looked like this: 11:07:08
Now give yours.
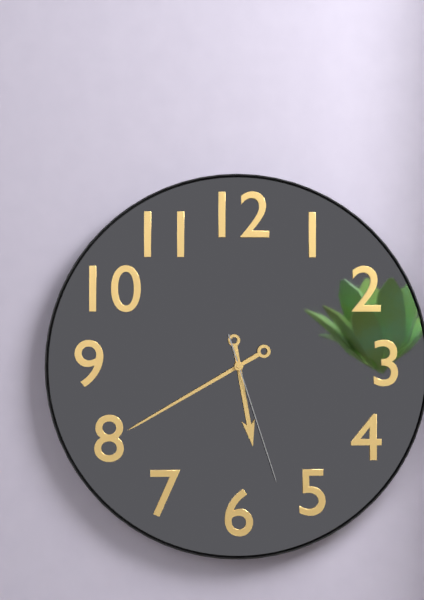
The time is 5:40:27
